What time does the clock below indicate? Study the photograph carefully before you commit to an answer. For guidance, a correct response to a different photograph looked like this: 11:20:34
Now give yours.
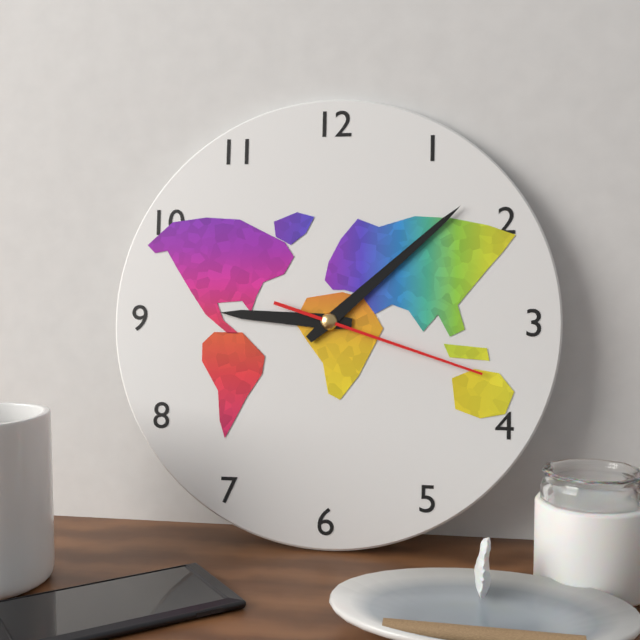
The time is 9:08:18
